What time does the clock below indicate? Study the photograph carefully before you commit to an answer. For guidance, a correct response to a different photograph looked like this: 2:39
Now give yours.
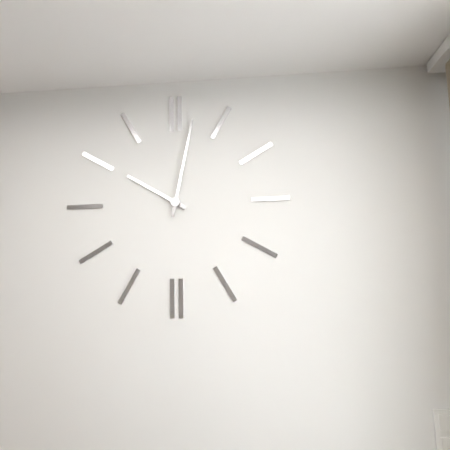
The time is 10:02
